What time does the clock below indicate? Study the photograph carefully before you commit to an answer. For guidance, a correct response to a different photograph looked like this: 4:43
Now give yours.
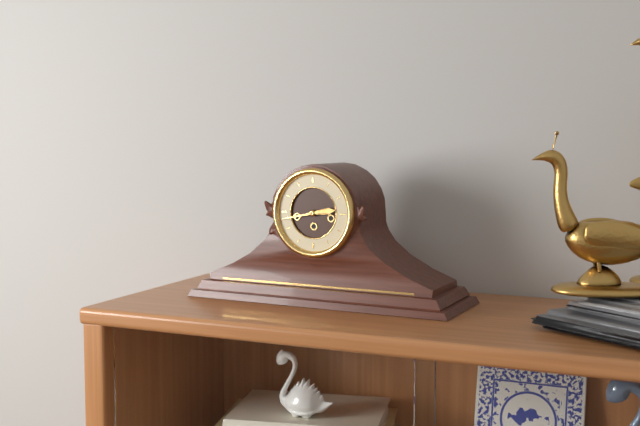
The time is 2:43
